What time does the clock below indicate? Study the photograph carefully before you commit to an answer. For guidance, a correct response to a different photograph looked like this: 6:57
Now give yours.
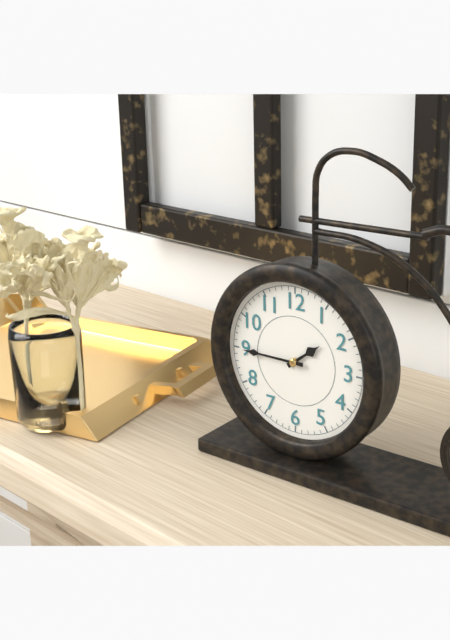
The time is 1:45
